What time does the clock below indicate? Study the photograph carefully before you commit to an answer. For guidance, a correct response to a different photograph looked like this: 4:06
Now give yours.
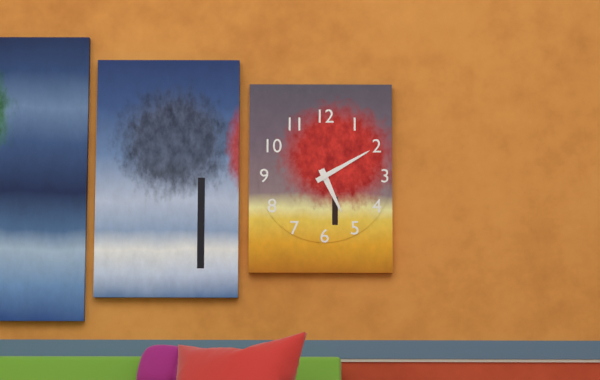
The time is 5:10
